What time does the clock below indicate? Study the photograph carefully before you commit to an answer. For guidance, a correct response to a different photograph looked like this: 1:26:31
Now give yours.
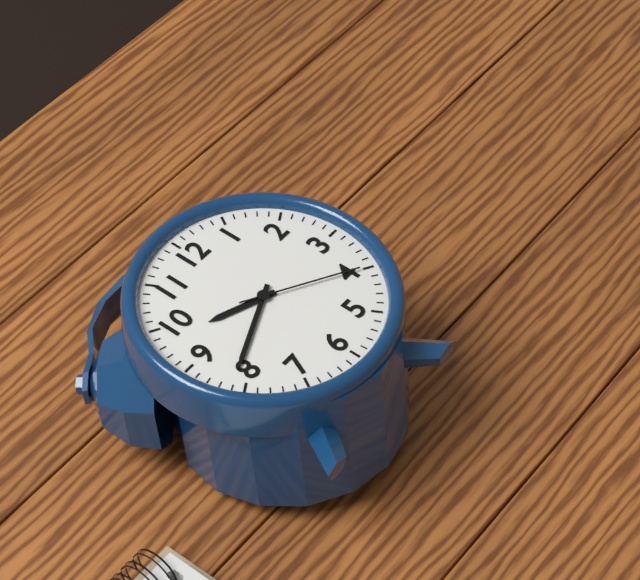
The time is 9:41:20
